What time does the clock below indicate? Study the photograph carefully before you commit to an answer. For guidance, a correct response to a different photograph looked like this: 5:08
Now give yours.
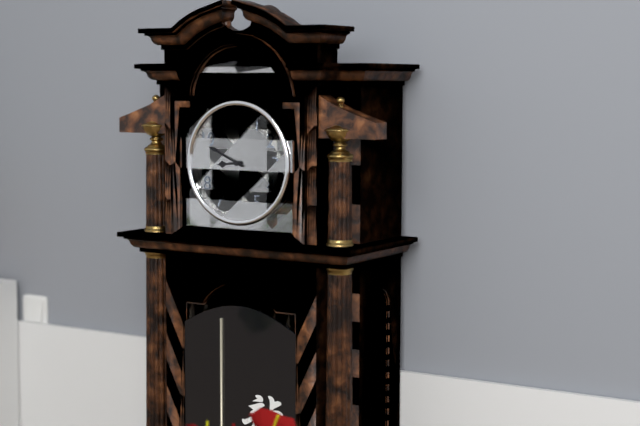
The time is 8:49
